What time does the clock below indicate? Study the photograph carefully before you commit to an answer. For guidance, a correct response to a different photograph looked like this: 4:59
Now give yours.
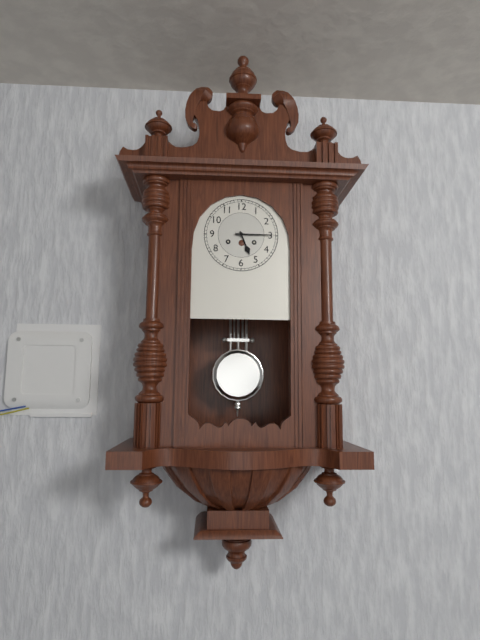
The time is 5:15
